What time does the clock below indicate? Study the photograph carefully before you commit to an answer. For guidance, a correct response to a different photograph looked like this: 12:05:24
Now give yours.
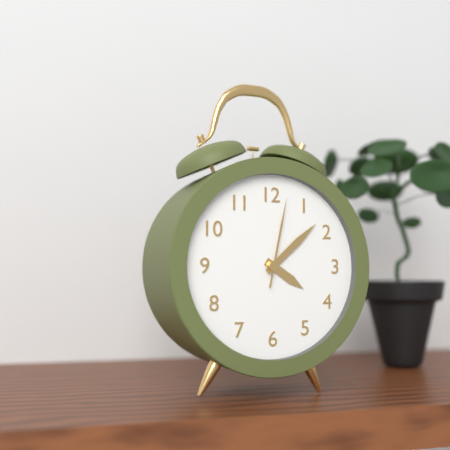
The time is 4:08:02
